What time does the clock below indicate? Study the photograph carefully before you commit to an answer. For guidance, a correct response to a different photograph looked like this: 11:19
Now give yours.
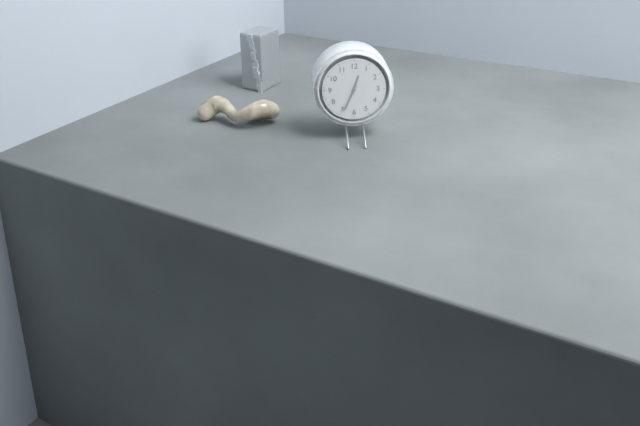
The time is 12:34
